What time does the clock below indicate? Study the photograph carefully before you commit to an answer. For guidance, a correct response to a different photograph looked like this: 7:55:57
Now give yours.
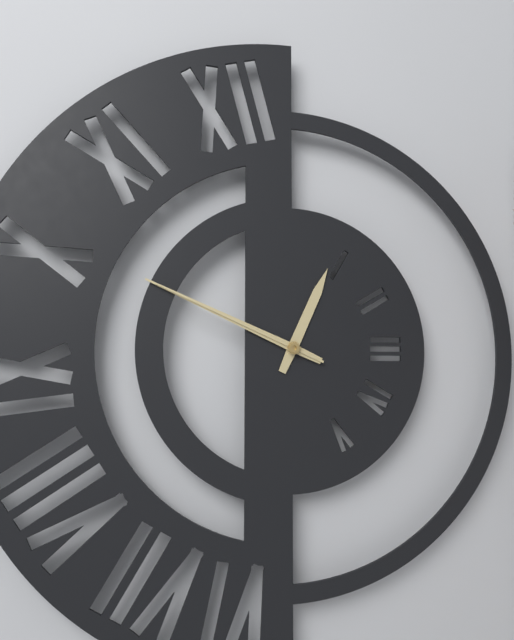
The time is 12:49:49
